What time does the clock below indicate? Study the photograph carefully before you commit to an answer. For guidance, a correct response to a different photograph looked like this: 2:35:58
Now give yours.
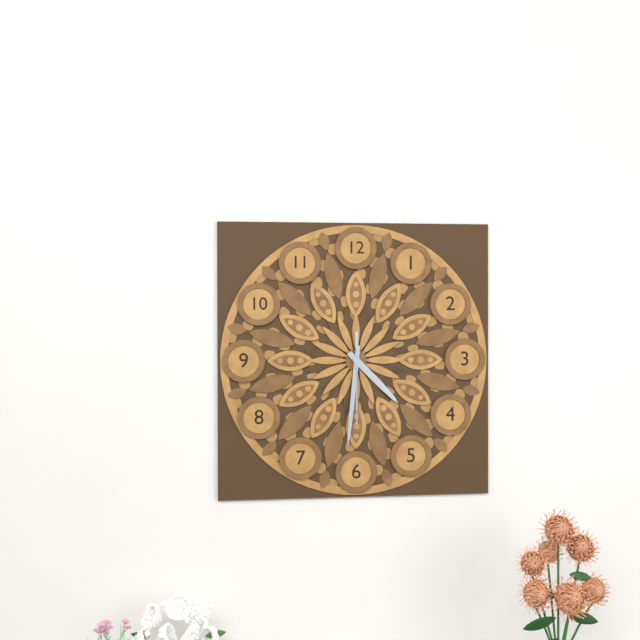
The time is 4:31:30
